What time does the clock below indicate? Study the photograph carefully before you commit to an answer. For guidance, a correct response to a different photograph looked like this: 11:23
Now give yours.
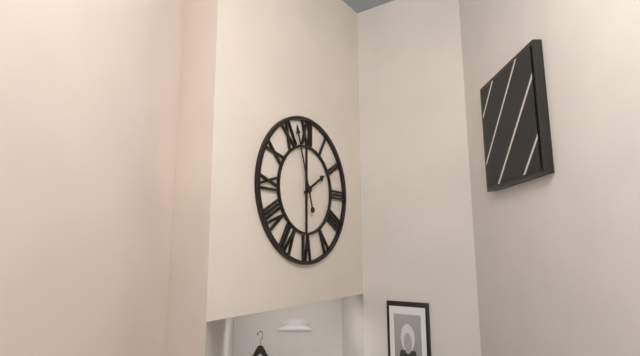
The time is 1:57
